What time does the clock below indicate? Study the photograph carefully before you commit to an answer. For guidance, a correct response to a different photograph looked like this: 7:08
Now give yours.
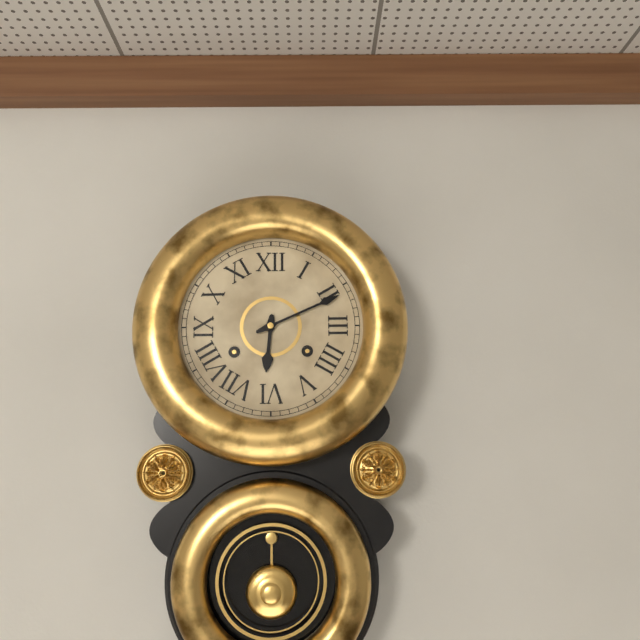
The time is 6:11
